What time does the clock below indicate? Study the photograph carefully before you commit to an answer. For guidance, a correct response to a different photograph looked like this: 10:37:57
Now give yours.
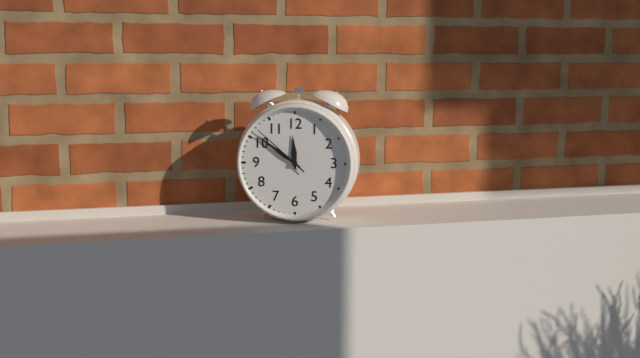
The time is 11:51:52
